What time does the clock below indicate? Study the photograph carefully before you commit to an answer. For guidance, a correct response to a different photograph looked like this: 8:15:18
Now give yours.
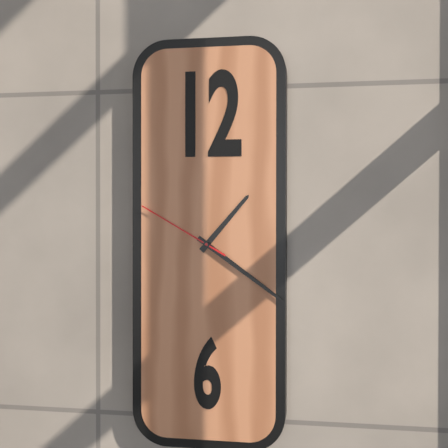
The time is 1:21:50
